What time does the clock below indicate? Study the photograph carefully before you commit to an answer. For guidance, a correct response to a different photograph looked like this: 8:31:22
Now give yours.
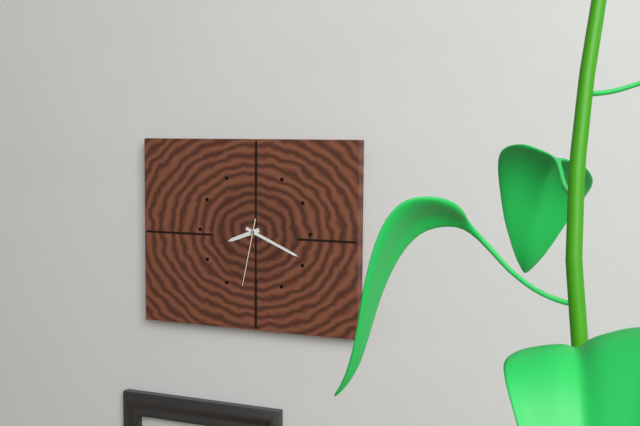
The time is 8:19:32
